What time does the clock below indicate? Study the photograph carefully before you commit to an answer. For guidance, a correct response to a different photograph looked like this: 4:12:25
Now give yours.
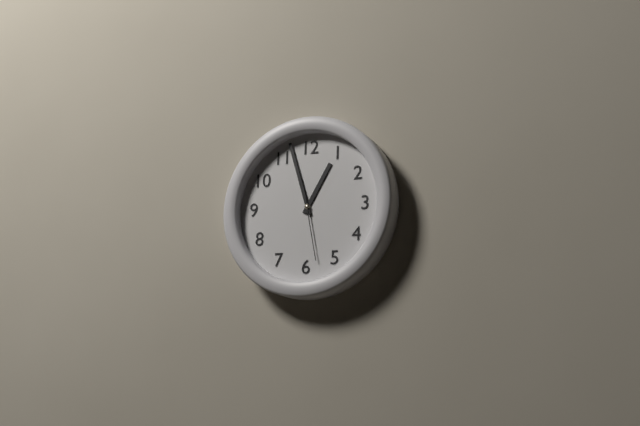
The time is 12:57:28
